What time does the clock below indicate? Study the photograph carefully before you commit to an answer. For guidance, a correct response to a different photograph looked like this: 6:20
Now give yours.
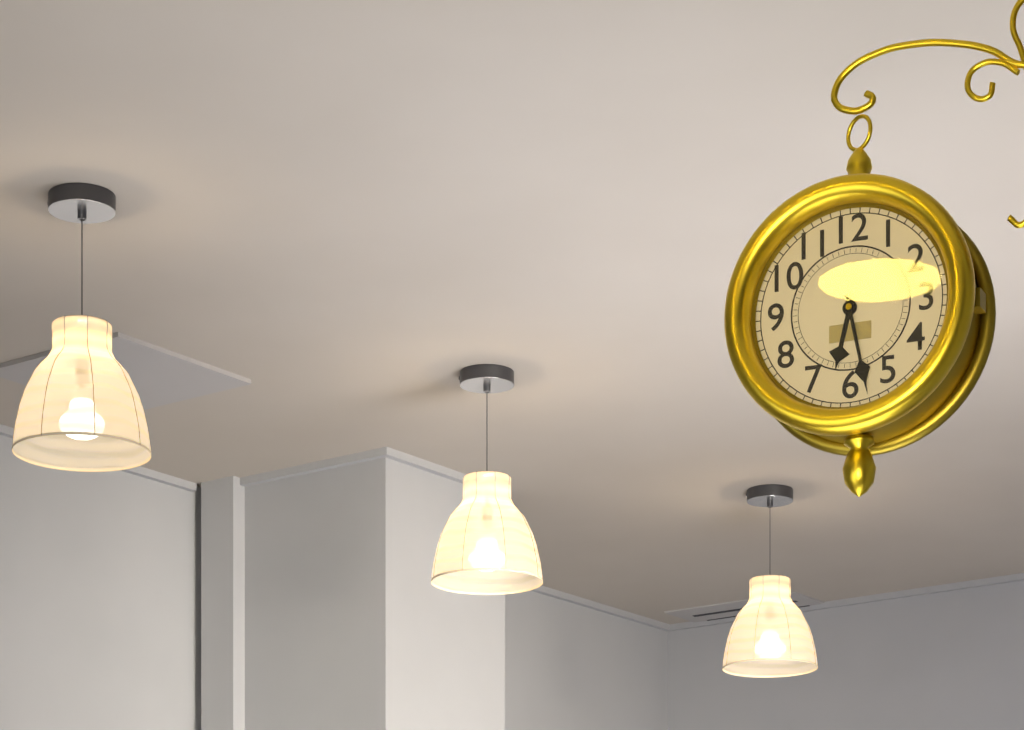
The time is 6:28
